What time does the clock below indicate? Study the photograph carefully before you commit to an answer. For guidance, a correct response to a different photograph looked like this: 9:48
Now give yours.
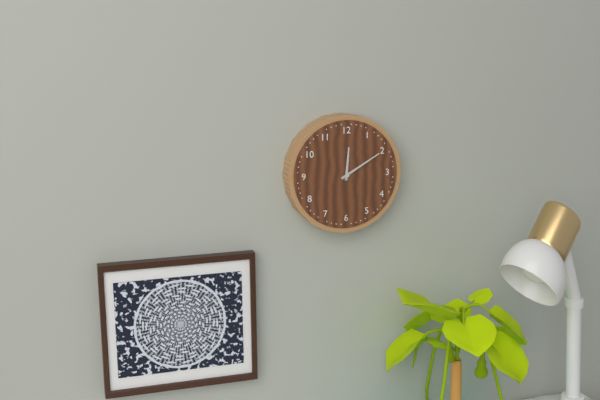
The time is 12:10
